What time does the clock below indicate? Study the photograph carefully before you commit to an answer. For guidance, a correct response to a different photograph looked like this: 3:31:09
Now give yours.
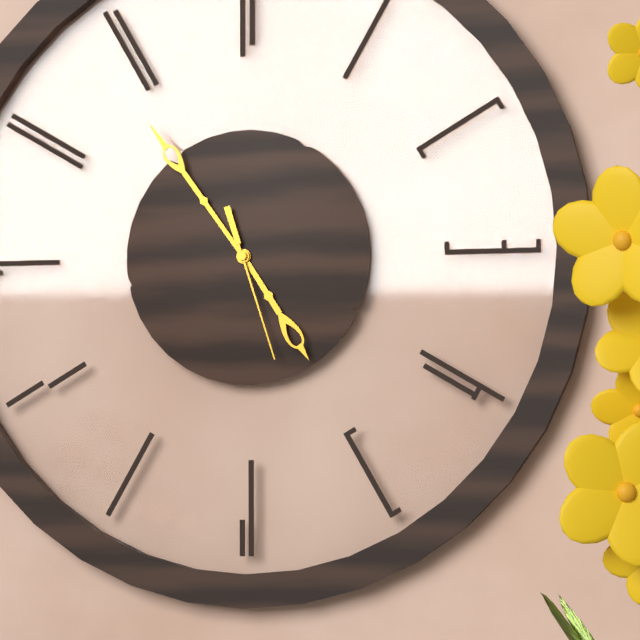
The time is 4:54:27
